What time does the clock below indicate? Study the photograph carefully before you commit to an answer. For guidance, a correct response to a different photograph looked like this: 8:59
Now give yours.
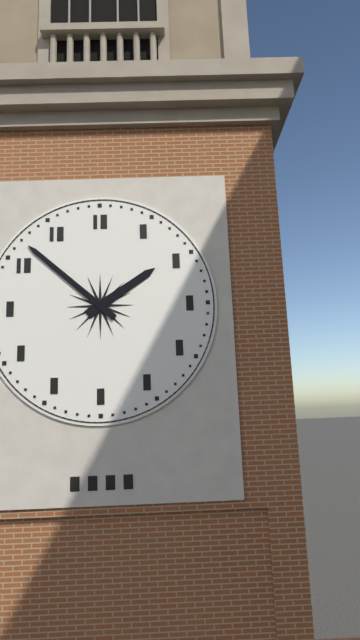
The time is 1:52
